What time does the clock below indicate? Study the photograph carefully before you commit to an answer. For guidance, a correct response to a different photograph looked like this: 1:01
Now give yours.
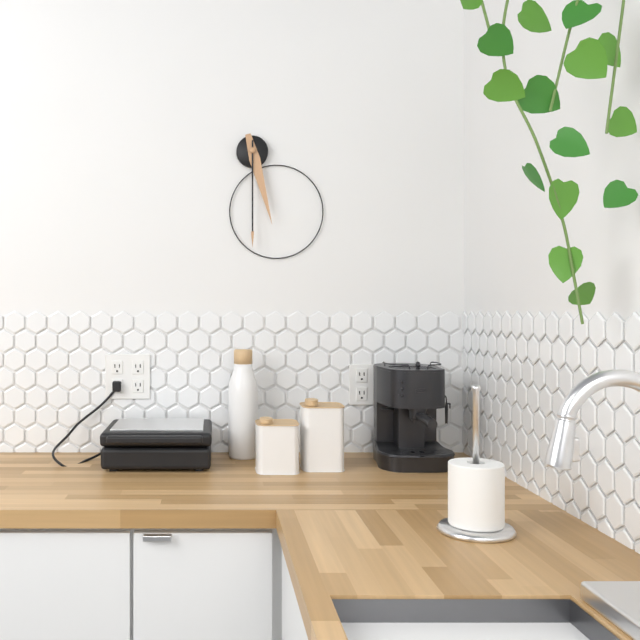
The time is 5:30
